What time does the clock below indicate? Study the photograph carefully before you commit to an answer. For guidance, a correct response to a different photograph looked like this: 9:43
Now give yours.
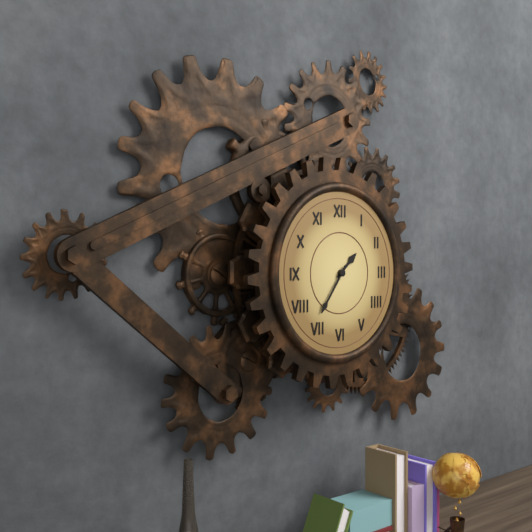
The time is 1:36
